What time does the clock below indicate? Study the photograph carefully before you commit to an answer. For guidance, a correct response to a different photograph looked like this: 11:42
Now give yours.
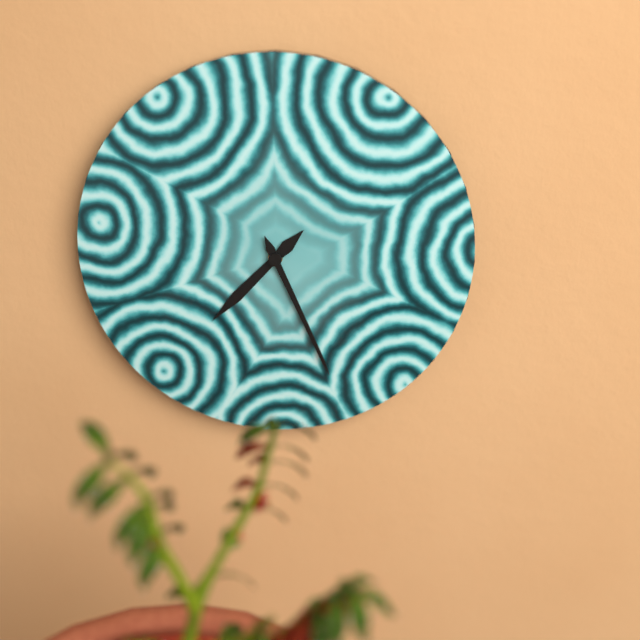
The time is 7:26
